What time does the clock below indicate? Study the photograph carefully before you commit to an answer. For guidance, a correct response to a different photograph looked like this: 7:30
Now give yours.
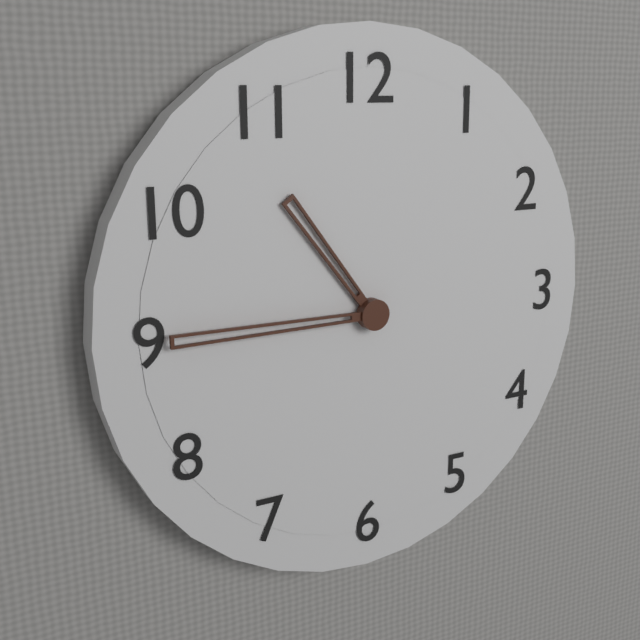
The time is 10:45
